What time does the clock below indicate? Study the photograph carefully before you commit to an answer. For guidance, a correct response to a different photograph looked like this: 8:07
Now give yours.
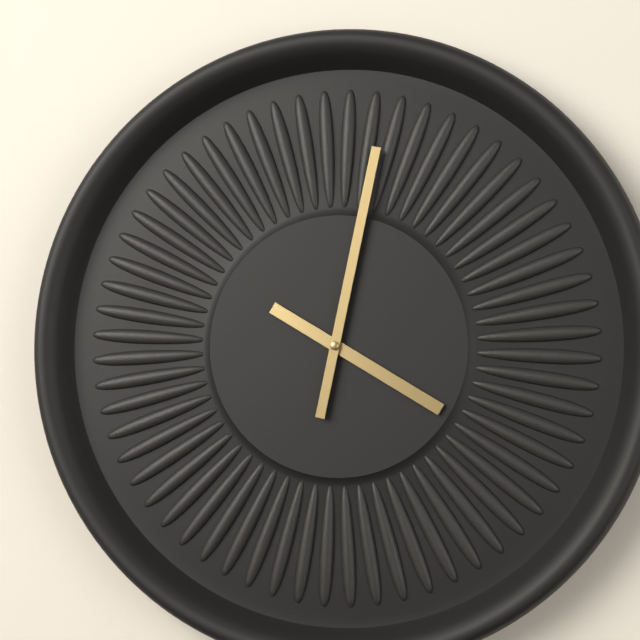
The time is 4:02
